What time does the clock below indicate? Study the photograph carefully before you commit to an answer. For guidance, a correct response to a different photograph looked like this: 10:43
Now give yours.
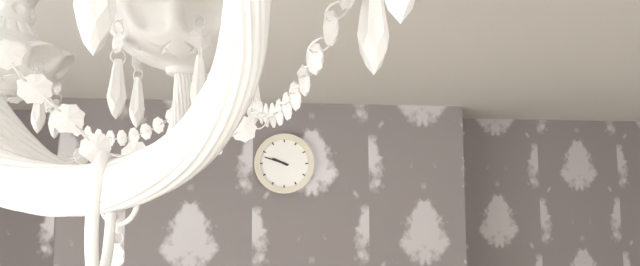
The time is 9:48
